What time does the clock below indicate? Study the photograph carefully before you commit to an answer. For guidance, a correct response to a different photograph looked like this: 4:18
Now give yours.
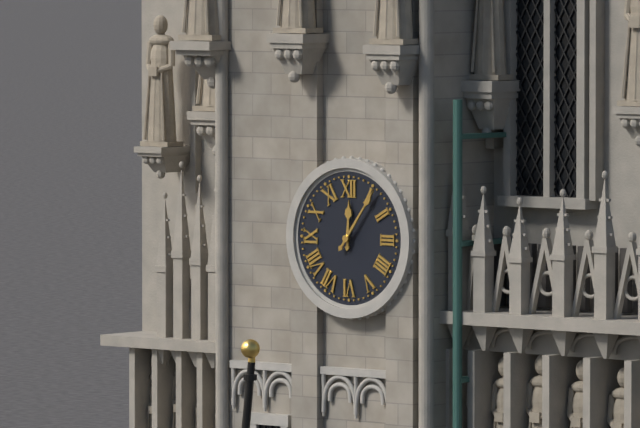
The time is 12:06
